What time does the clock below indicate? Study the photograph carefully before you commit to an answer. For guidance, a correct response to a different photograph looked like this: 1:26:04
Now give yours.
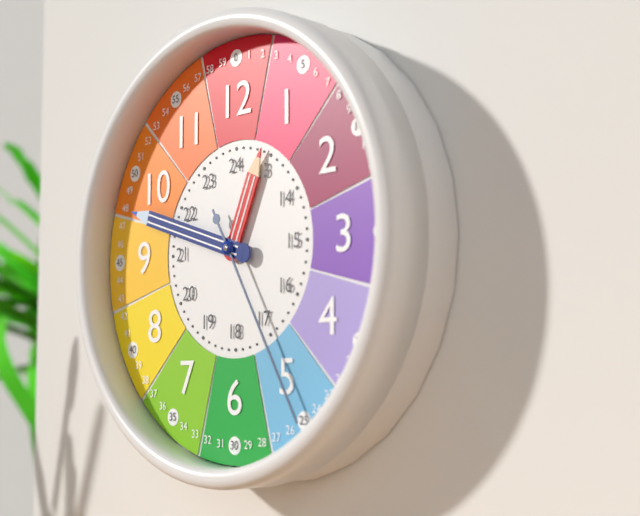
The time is 12:48:25
